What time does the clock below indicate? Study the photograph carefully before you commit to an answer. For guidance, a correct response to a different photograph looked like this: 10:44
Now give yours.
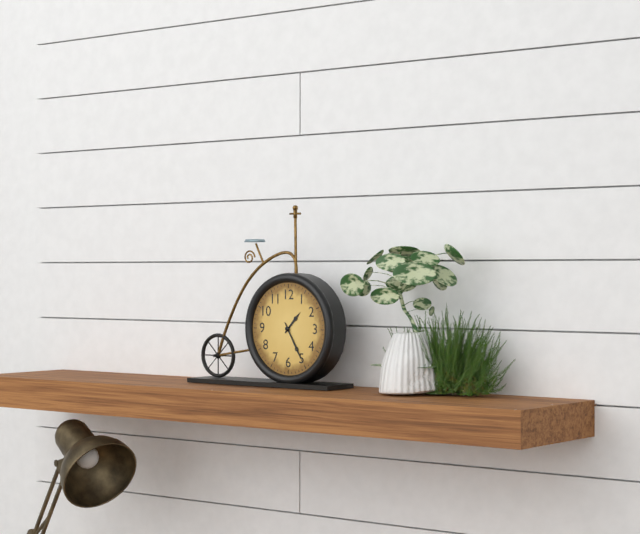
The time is 1:25
